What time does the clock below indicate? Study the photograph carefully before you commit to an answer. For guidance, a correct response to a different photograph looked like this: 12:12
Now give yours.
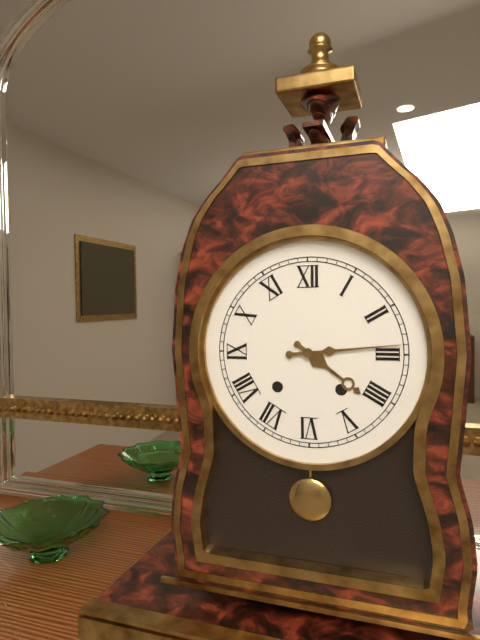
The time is 4:14
